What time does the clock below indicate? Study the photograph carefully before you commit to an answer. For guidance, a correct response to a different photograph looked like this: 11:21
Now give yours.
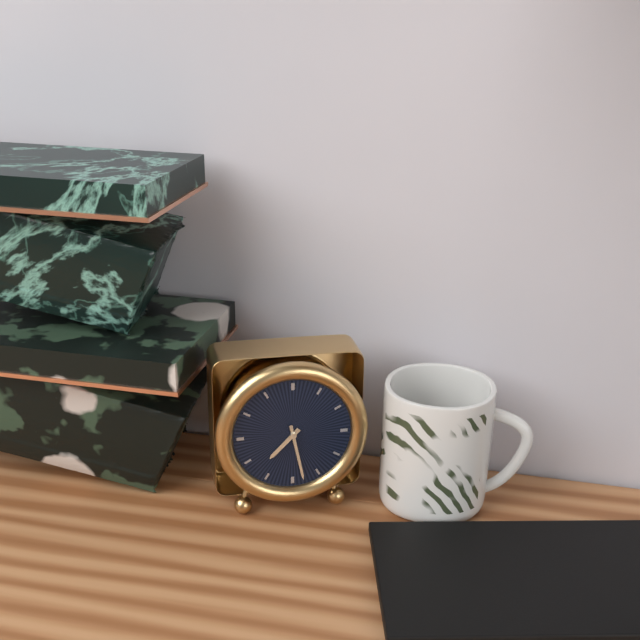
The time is 7:28
